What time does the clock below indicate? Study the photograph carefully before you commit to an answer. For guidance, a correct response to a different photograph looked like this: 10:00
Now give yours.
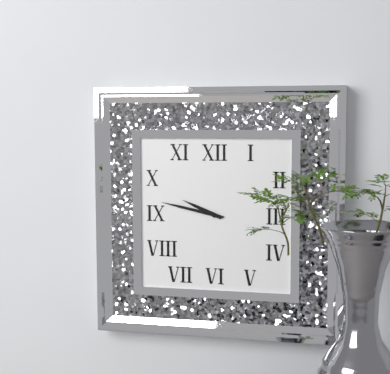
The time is 9:47
